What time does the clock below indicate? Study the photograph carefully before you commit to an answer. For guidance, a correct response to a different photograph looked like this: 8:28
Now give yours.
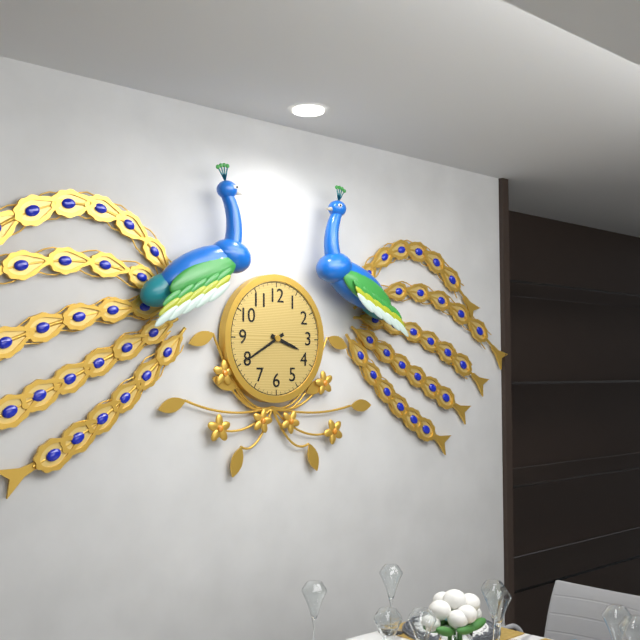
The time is 3:40
